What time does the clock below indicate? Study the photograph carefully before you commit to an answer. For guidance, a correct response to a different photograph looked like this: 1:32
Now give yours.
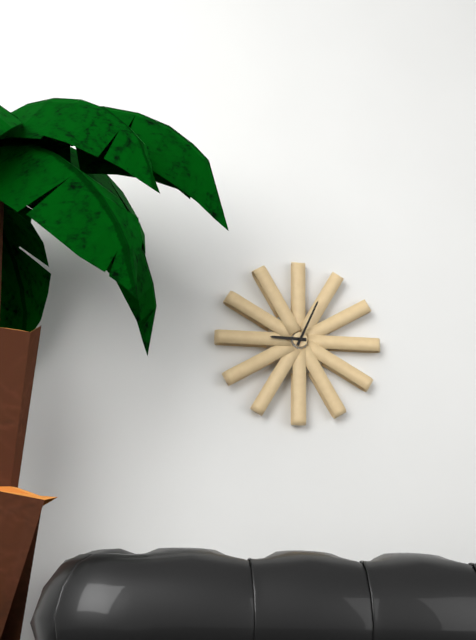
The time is 9:04
